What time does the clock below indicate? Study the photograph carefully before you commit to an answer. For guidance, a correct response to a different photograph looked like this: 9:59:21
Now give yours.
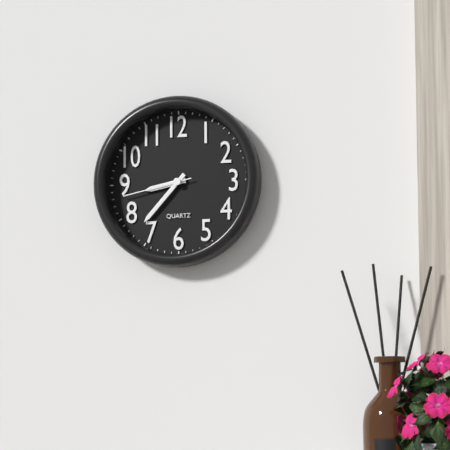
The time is 8:37:43
